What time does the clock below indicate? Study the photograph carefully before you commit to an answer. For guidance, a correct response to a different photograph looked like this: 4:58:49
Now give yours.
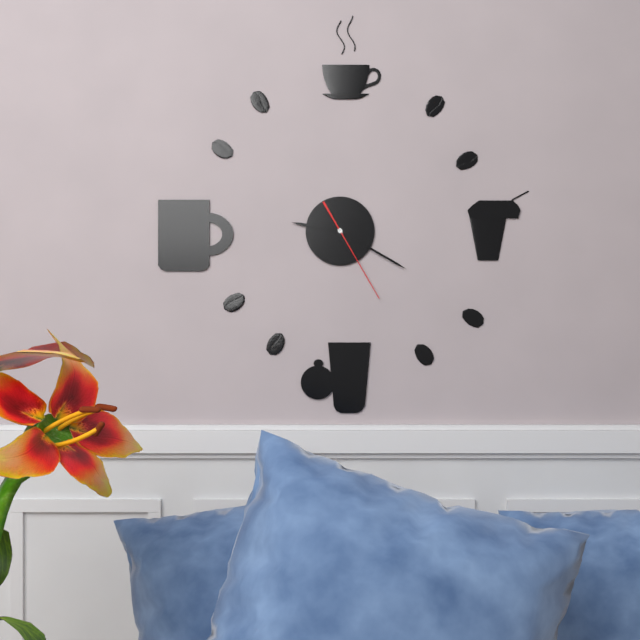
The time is 9:20:25
